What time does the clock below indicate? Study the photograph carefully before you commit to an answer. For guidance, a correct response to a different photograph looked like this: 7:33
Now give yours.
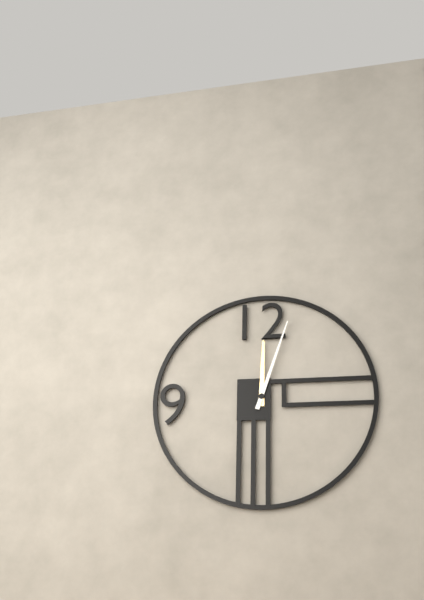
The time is 12:03
